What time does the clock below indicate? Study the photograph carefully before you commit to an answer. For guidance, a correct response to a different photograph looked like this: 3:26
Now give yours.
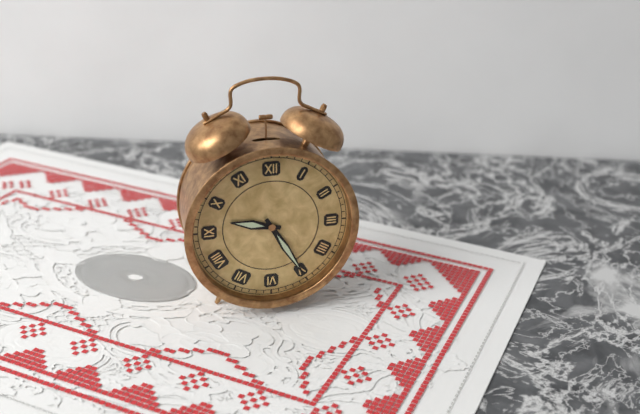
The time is 9:25
